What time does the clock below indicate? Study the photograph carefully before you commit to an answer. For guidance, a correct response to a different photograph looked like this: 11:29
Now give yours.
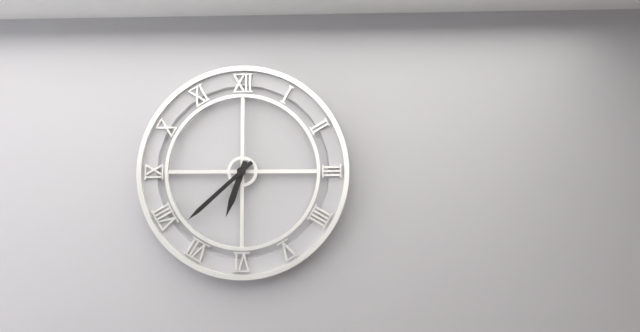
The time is 6:38
